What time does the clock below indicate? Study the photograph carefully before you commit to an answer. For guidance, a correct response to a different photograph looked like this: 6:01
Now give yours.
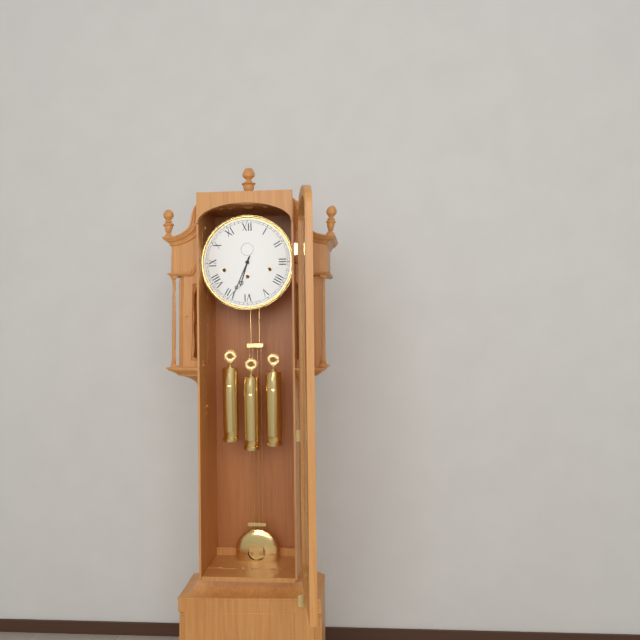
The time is 6:34
